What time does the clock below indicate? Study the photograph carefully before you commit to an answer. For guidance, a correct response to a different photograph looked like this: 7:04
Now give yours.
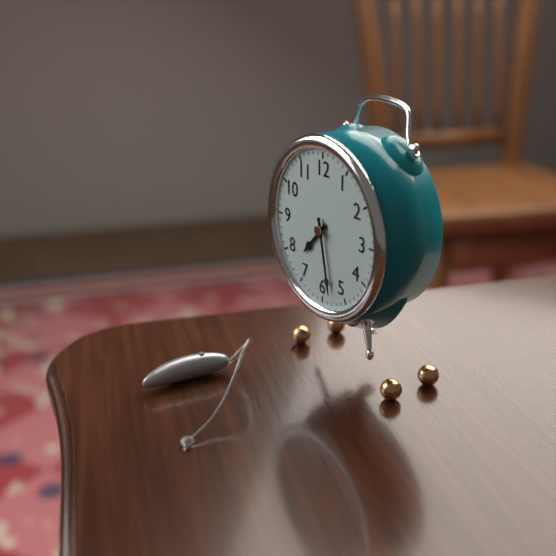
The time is 7:28
